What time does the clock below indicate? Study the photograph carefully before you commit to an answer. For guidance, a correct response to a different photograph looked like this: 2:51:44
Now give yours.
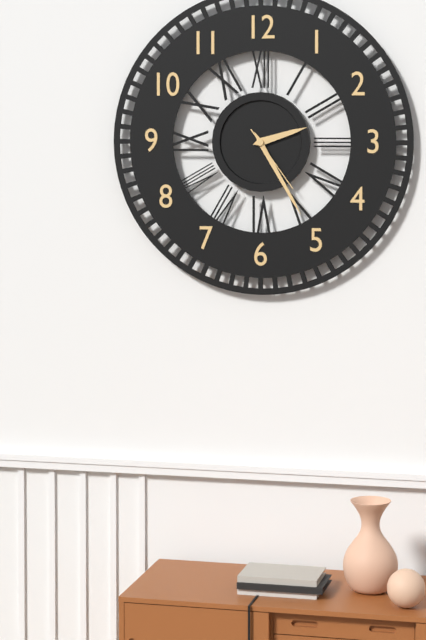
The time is 2:25:24
